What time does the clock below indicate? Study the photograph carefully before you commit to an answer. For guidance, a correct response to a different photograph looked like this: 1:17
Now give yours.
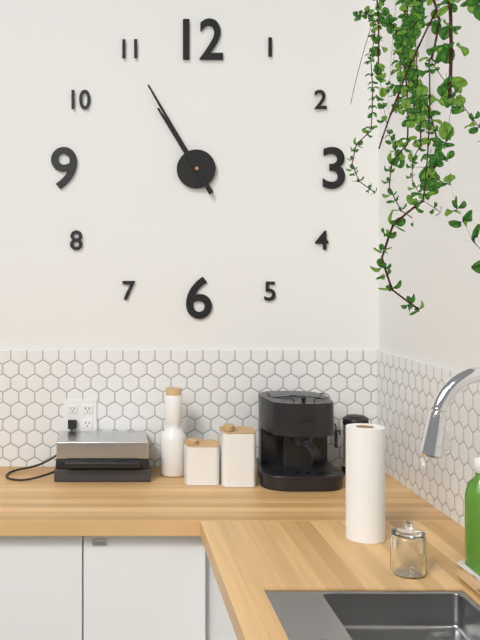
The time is 10:55
